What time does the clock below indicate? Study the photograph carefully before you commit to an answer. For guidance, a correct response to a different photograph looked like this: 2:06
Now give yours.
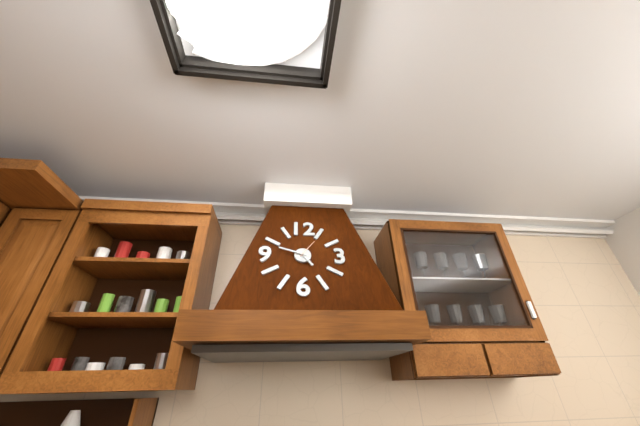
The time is 4:48
